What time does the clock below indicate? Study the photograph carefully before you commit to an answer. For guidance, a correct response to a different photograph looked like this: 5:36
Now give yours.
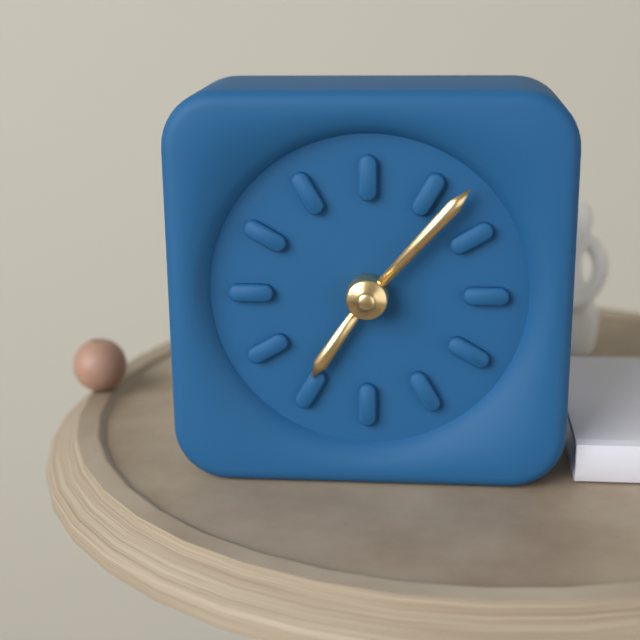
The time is 7:07
